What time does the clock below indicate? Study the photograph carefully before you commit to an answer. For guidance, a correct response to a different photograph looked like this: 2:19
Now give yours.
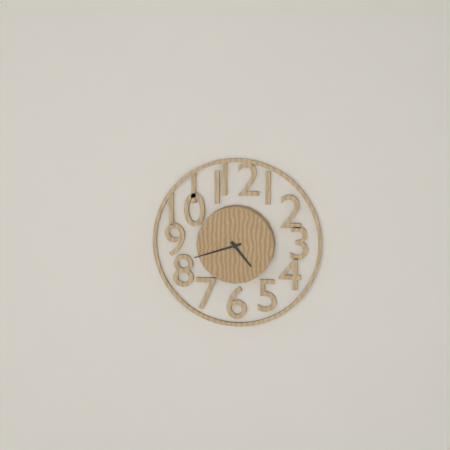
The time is 4:42
